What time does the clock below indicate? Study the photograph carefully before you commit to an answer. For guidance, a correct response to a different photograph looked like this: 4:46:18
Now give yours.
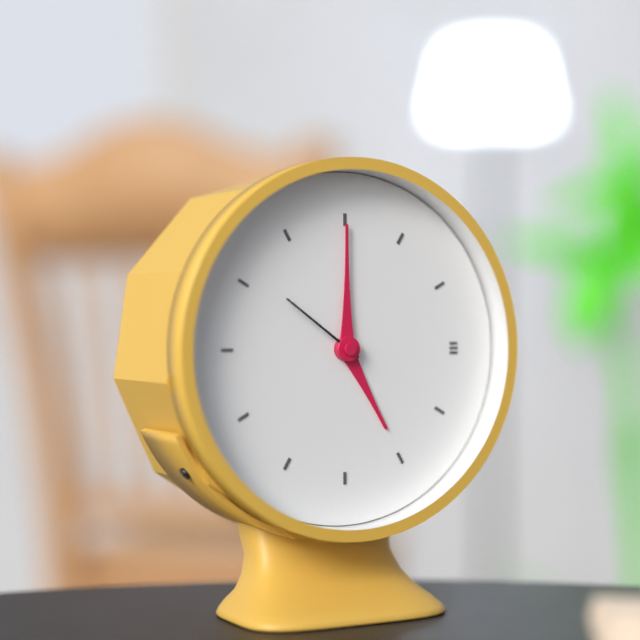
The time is 5:00:51
